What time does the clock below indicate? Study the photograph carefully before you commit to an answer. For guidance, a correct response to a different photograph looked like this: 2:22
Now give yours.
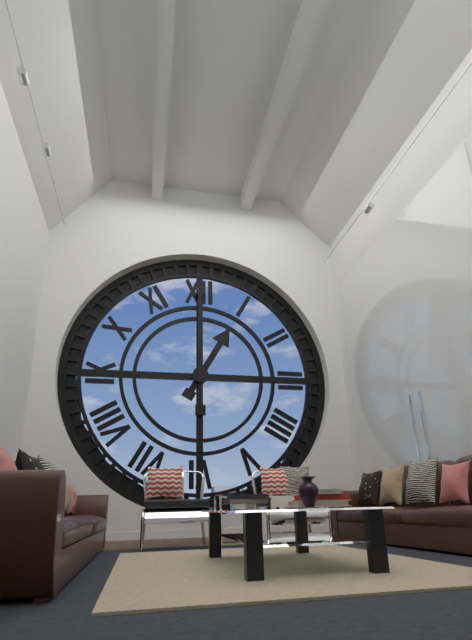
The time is 1:00
